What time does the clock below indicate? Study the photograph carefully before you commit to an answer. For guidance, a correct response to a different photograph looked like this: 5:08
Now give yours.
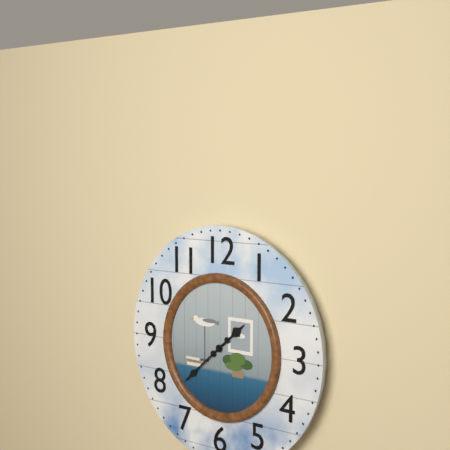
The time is 1:38
